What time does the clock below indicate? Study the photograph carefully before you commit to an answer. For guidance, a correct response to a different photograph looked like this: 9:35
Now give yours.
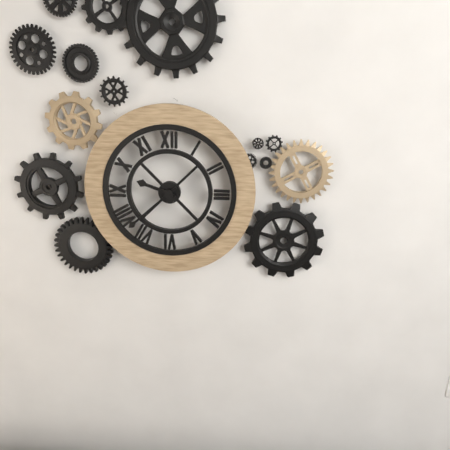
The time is 9:38
